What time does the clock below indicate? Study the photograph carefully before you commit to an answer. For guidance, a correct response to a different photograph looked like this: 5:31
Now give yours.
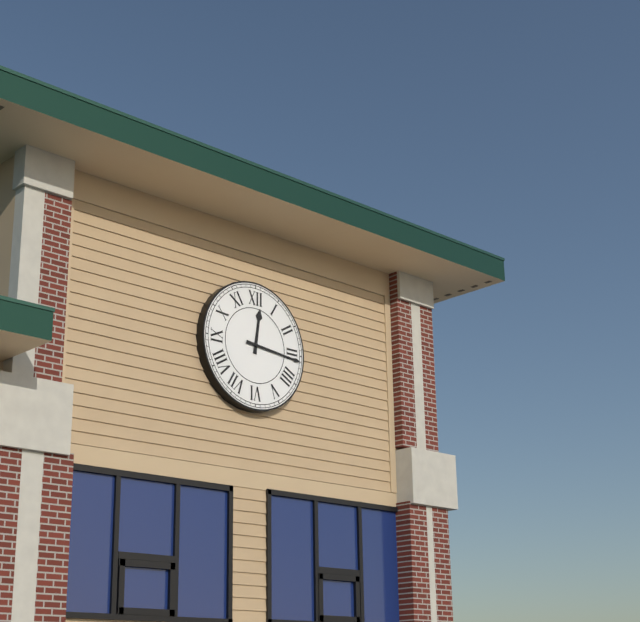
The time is 12:16
